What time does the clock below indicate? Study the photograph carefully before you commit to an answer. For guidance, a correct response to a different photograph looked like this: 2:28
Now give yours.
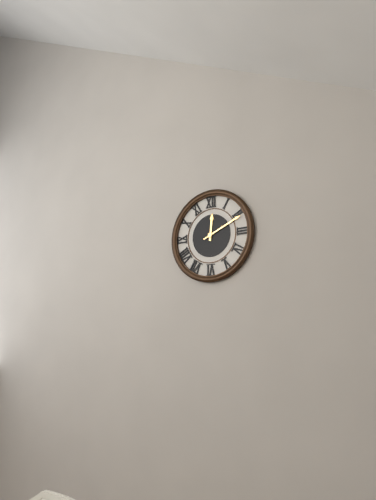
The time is 12:11
